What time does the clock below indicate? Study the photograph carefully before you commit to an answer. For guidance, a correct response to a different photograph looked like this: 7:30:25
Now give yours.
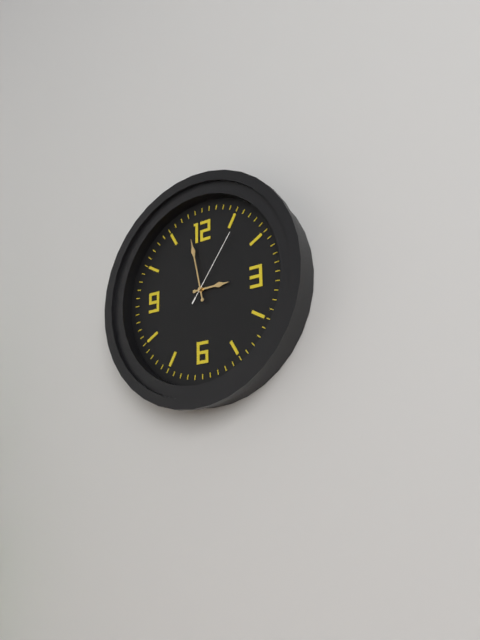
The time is 2:58:06
